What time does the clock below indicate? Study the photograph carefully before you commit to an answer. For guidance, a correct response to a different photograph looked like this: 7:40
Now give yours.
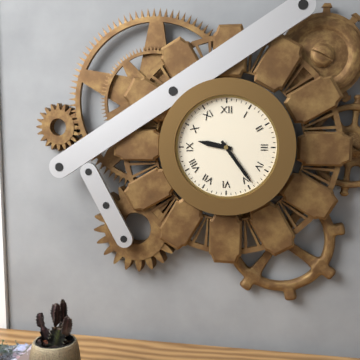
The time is 9:24
